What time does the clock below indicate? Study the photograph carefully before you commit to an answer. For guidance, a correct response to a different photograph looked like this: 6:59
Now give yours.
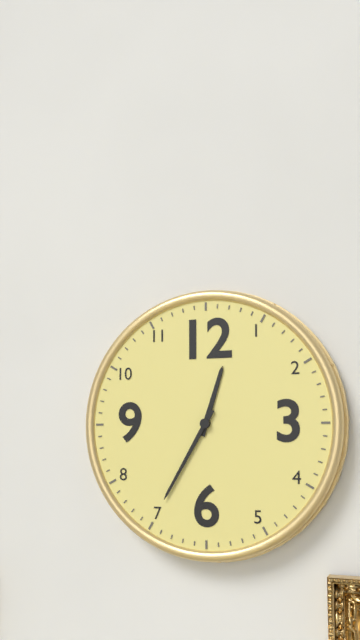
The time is 12:35
